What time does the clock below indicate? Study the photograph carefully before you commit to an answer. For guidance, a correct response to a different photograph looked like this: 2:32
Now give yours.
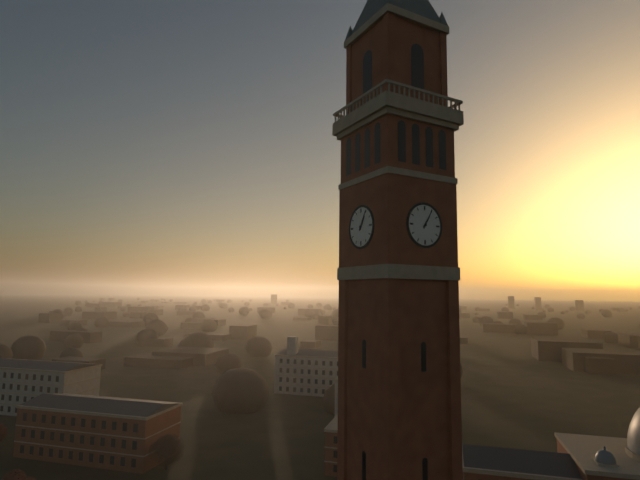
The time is 1:05
